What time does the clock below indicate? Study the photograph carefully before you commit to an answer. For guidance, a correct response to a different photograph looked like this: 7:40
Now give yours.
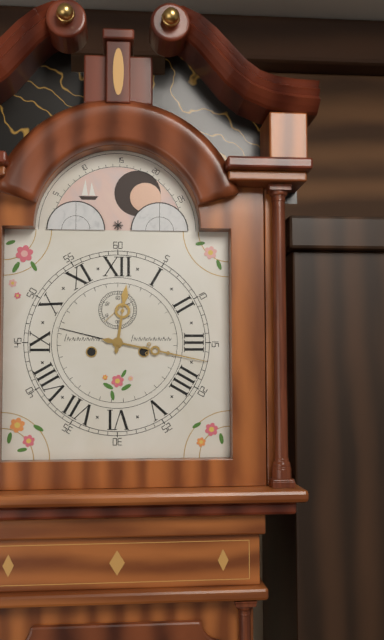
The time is 12:17
